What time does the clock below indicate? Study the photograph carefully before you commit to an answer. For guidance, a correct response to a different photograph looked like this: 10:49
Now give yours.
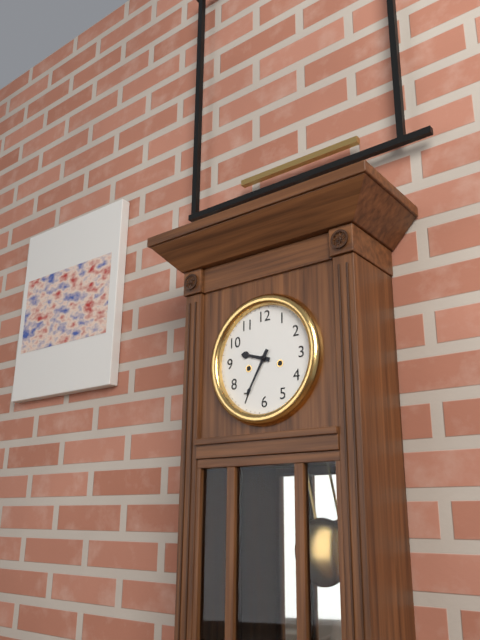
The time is 9:35
